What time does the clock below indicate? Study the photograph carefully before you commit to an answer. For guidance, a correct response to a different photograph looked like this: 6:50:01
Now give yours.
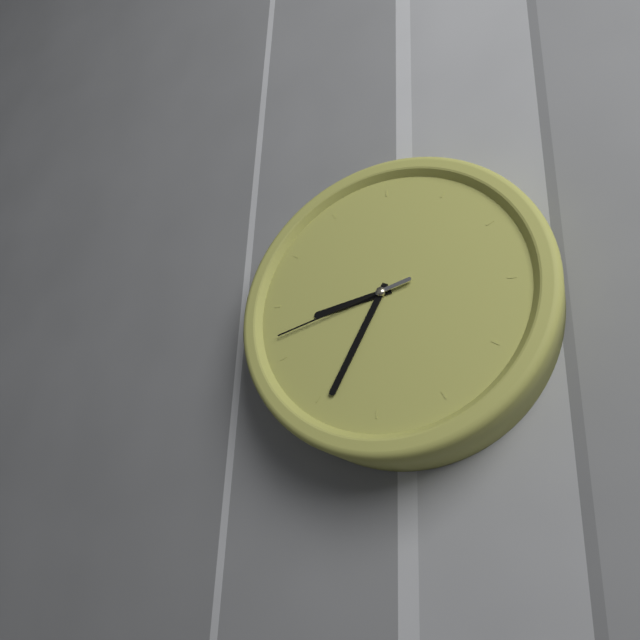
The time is 8:34:42
